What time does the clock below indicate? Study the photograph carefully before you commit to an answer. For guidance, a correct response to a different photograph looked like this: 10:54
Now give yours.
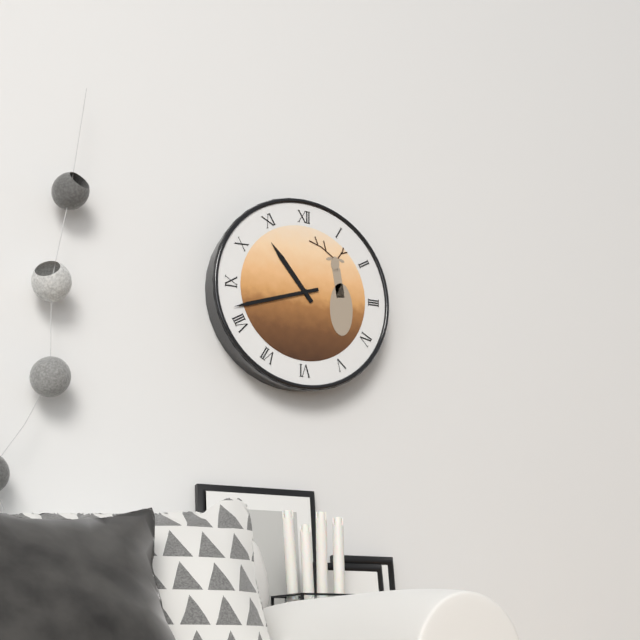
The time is 10:42
